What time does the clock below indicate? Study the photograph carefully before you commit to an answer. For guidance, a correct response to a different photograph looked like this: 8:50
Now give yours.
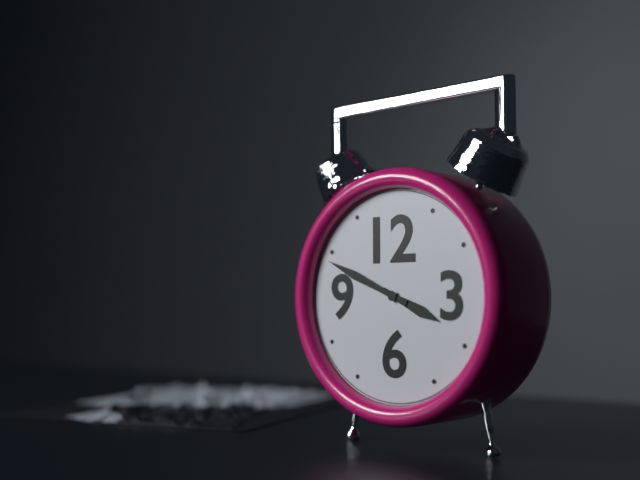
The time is 3:49
